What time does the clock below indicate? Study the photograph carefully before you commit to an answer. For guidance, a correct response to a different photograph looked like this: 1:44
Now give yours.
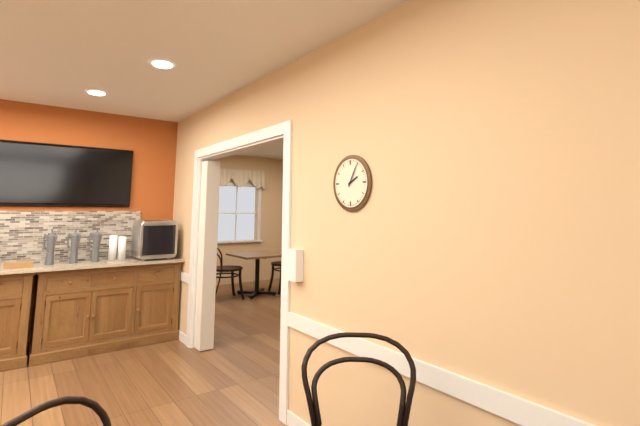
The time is 2:05
